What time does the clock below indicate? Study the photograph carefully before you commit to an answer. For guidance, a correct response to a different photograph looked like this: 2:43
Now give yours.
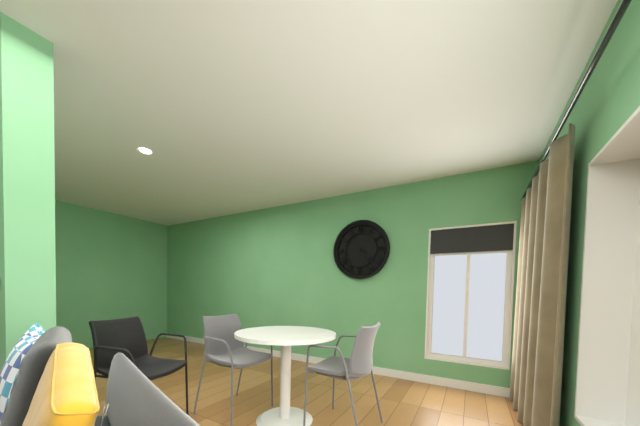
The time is 4:24
